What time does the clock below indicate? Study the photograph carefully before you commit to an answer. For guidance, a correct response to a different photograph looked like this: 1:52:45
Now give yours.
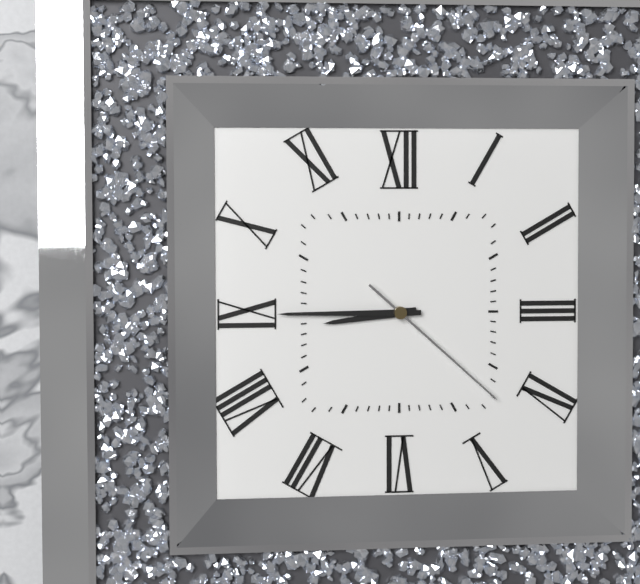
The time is 8:45:22
